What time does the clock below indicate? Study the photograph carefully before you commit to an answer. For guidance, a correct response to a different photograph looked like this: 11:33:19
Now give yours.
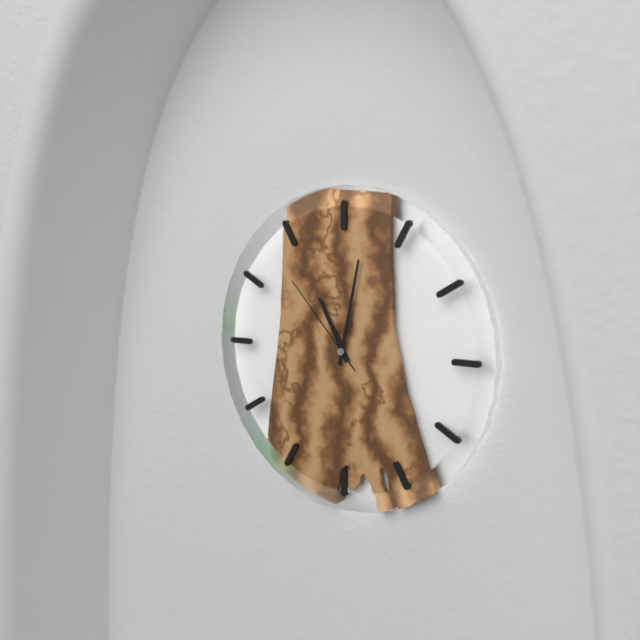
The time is 11:02:53
